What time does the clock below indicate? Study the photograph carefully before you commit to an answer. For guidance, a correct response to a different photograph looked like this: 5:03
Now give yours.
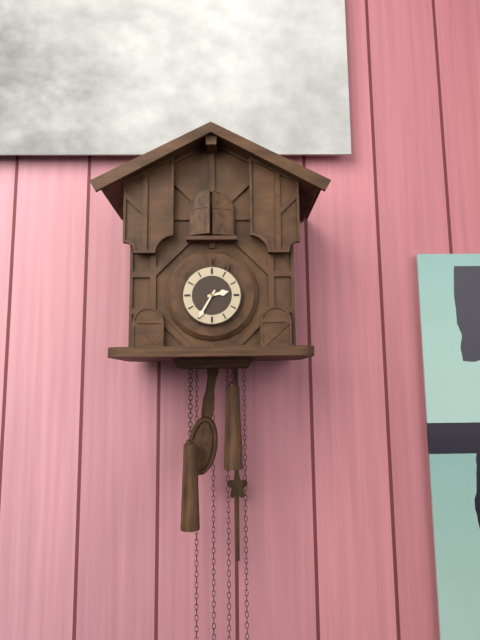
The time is 2:35
